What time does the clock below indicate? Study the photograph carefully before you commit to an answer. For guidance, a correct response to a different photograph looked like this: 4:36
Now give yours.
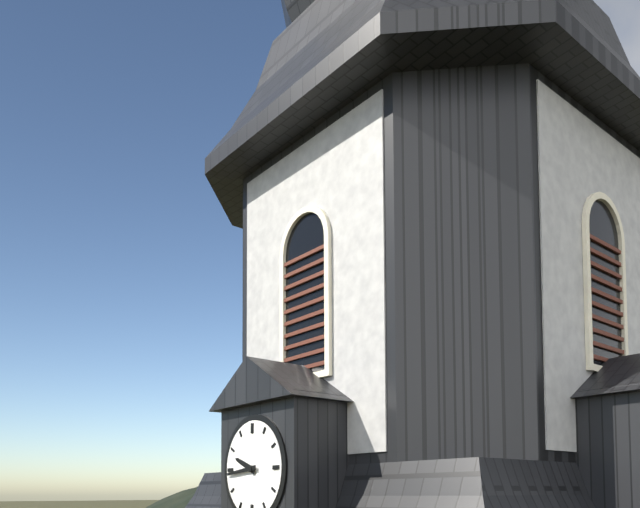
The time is 9:44
